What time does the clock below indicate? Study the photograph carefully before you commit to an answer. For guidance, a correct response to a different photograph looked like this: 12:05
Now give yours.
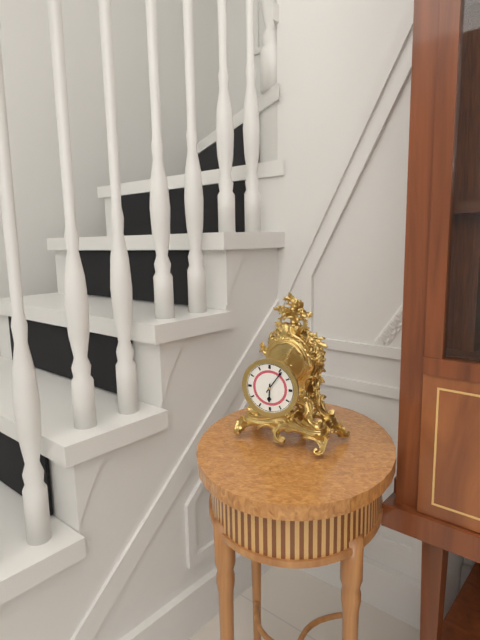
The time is 6:06
